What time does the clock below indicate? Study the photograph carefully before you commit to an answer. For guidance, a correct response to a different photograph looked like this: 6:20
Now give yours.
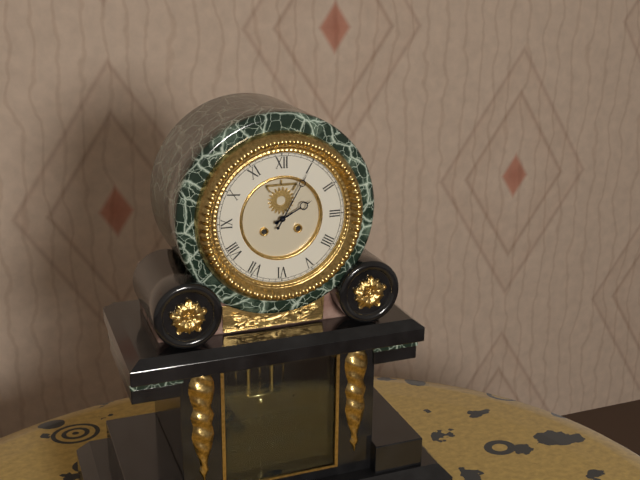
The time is 2:05
